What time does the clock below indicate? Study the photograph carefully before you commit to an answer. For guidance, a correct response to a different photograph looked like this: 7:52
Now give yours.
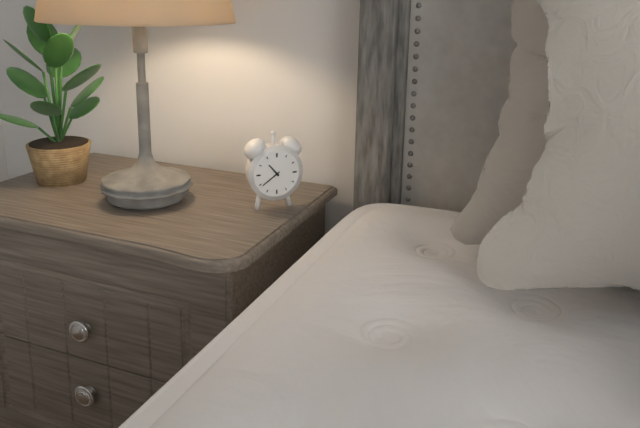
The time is 10:39
